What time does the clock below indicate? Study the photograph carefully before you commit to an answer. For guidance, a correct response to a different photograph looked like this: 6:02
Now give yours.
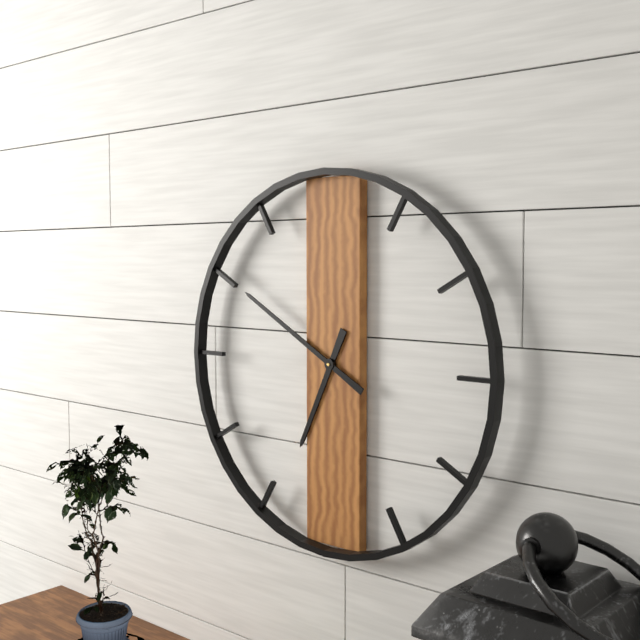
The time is 6:50
